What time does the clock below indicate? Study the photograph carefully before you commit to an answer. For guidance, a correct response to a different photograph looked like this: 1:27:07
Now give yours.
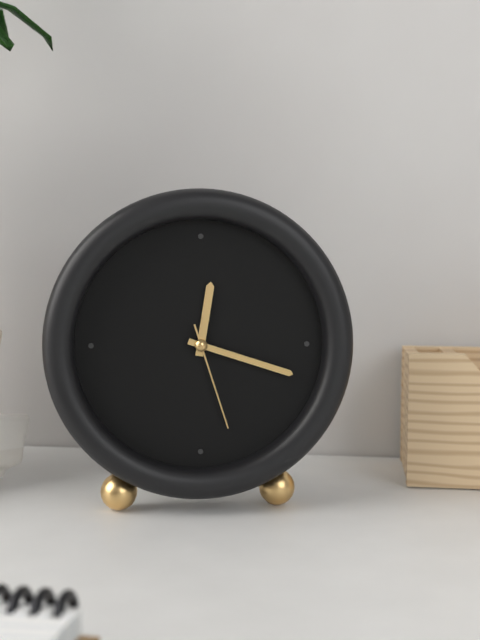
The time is 12:18:27
